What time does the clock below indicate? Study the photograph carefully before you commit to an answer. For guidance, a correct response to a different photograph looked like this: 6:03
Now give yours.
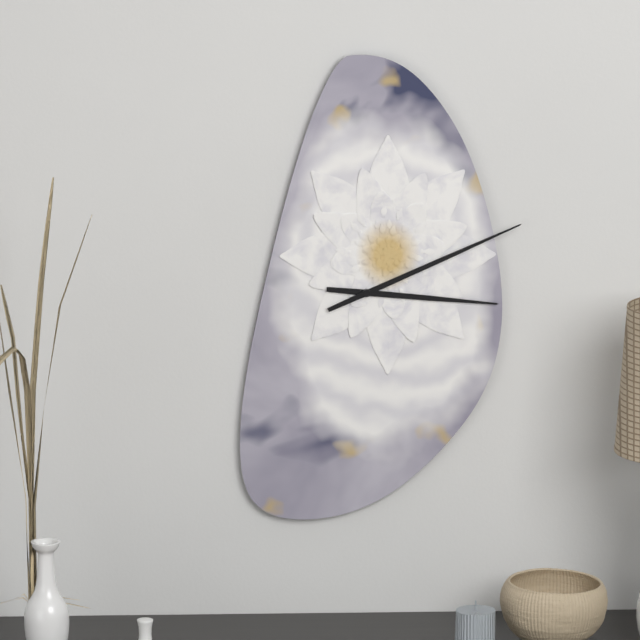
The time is 3:11
